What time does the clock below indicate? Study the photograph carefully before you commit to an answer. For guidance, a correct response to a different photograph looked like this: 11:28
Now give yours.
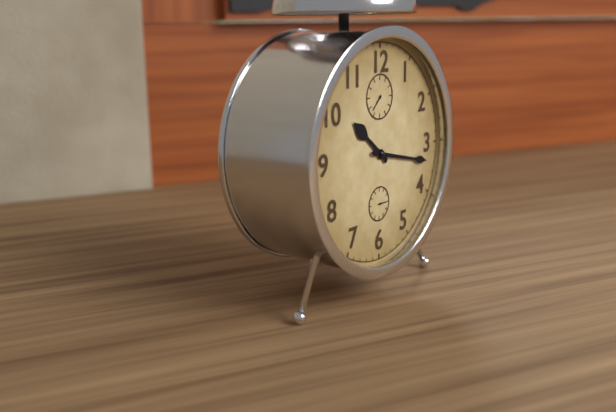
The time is 10:17
